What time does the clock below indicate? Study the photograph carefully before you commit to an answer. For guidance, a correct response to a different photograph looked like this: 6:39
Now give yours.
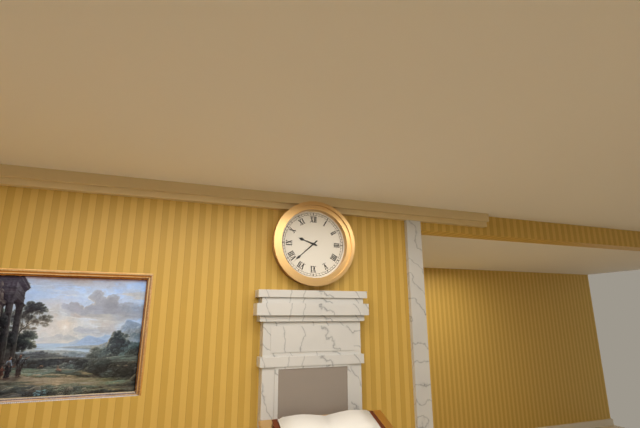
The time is 9:38
